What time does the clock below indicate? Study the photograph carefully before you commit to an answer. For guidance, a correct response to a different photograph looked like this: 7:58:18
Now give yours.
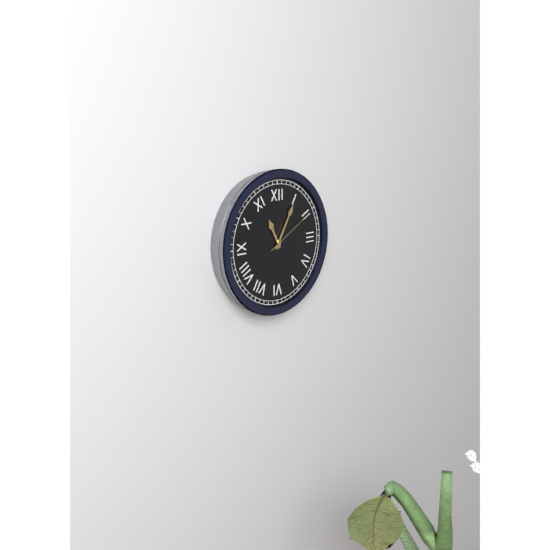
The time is 11:05:10
